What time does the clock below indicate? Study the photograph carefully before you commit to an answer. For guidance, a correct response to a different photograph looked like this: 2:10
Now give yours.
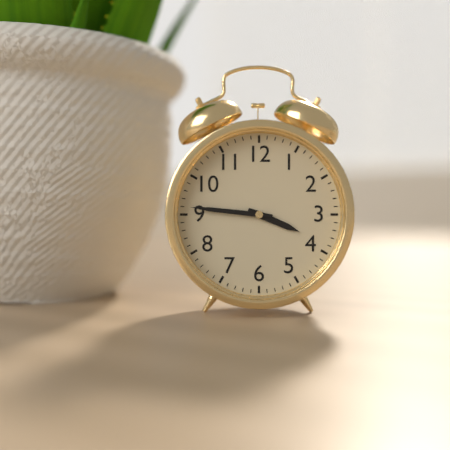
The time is 3:46
